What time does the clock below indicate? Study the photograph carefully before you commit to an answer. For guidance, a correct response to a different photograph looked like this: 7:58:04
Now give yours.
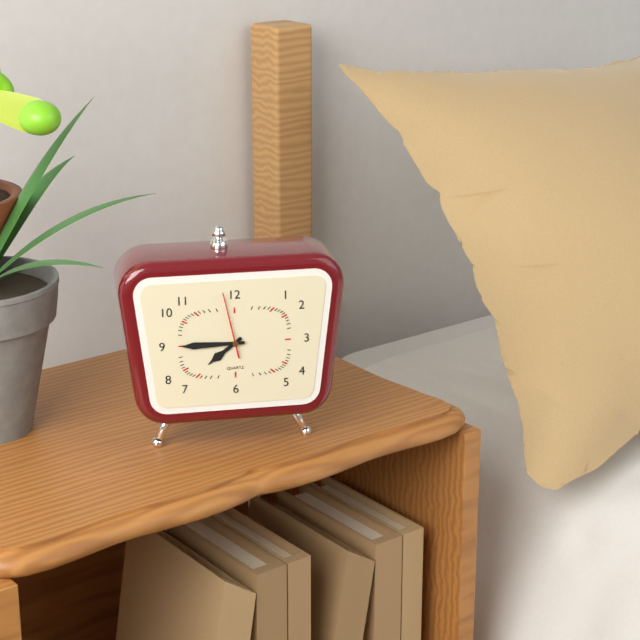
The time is 7:45:58
